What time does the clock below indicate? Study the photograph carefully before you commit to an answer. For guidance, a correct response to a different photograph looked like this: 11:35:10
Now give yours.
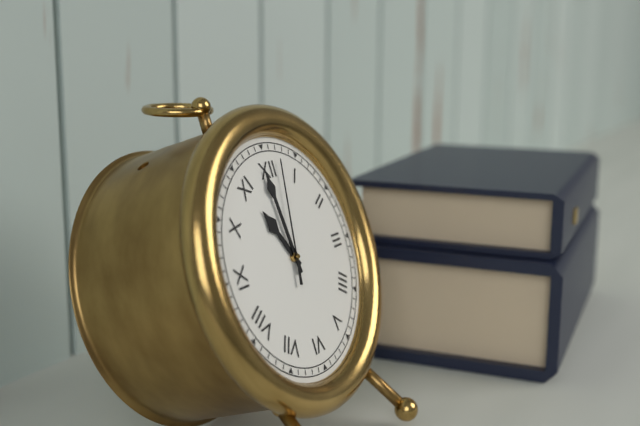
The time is 10:59:02
